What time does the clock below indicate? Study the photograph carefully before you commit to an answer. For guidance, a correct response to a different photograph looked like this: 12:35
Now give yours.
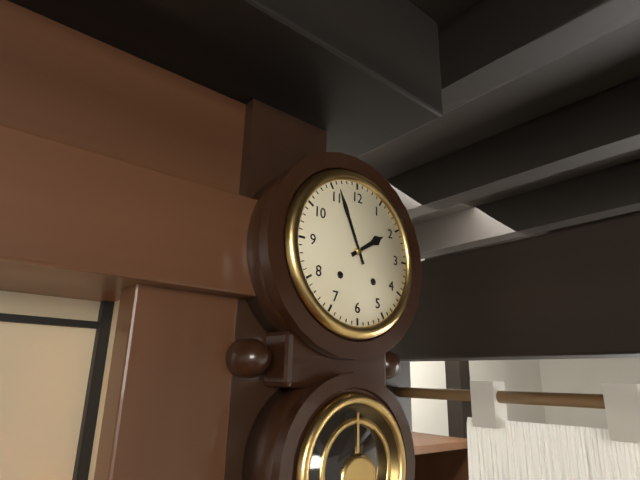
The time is 1:56
